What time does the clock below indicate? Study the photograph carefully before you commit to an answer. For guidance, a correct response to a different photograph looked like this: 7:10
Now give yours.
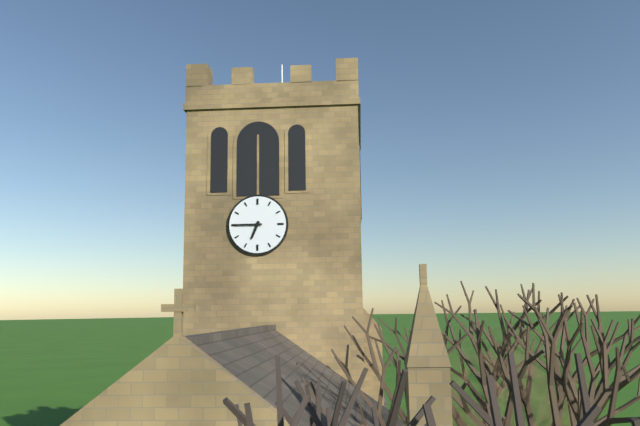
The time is 6:45
